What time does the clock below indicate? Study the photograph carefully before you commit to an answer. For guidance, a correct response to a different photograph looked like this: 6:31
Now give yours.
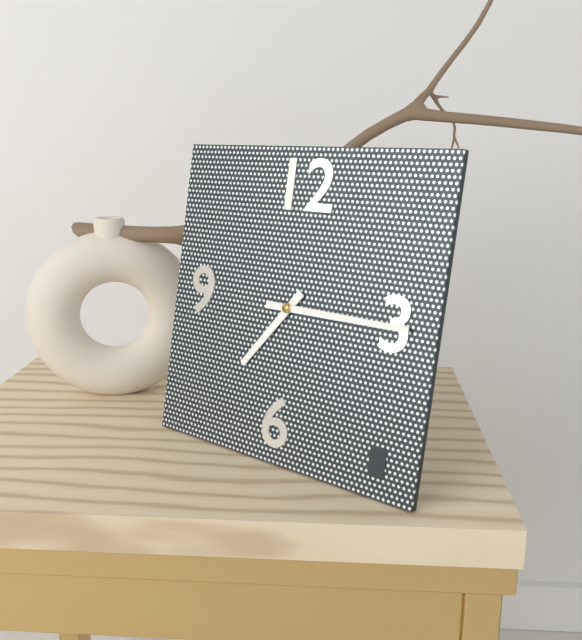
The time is 7:15
